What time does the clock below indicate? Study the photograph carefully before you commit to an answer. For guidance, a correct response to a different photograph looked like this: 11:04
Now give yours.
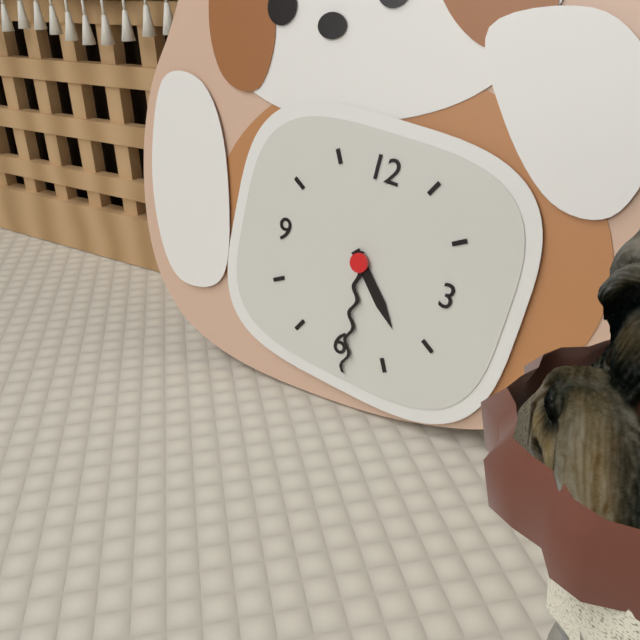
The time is 4:29
